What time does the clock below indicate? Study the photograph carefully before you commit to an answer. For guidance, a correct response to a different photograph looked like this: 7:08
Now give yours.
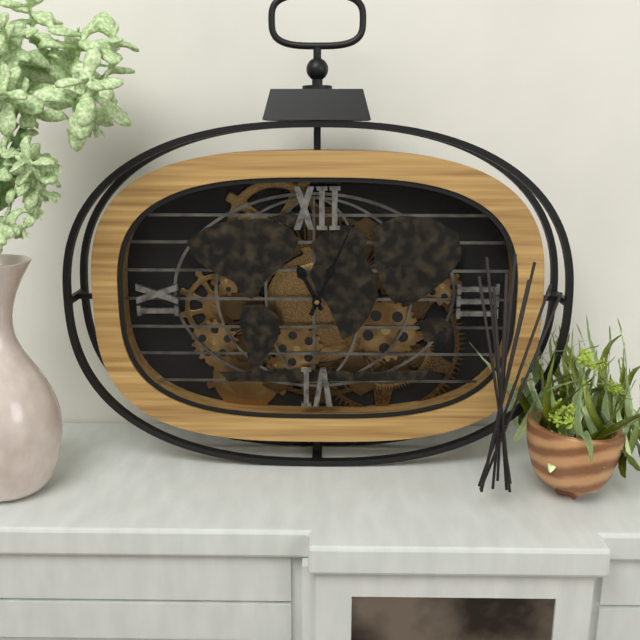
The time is 11:04
